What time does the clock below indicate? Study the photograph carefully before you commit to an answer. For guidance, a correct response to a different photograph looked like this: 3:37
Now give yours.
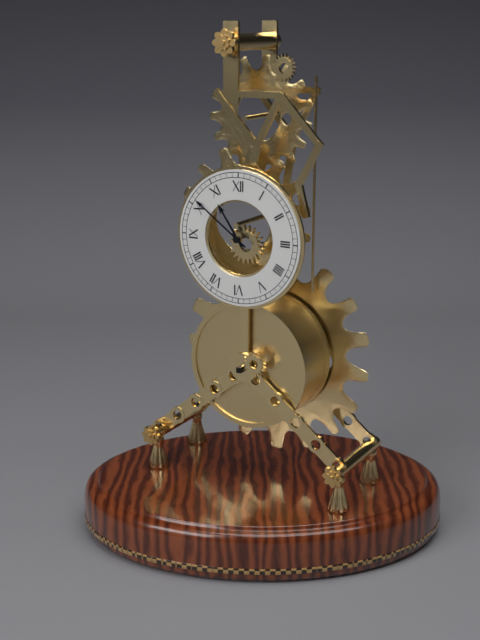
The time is 10:51
